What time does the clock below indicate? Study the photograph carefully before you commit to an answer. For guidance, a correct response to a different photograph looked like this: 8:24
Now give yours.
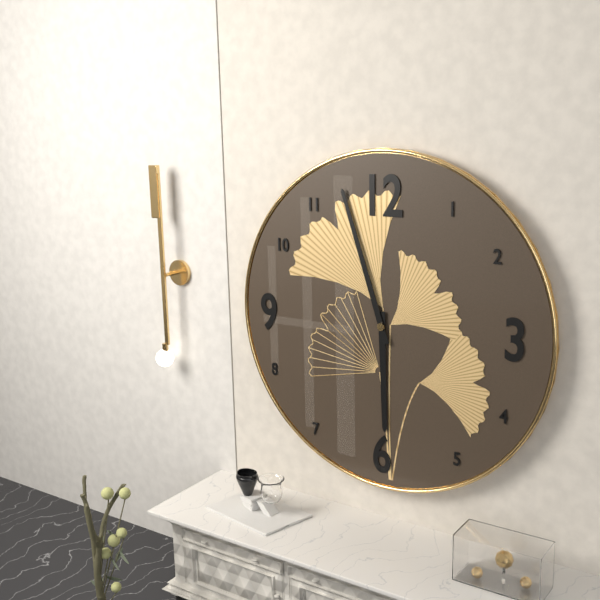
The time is 5:57
